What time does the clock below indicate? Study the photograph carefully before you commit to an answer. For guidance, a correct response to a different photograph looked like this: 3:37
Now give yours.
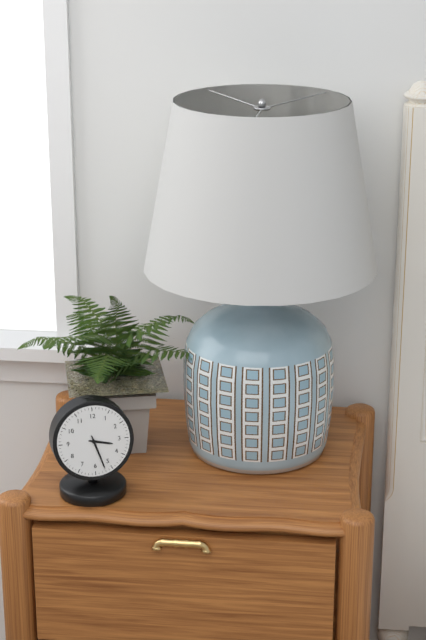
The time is 3:27
